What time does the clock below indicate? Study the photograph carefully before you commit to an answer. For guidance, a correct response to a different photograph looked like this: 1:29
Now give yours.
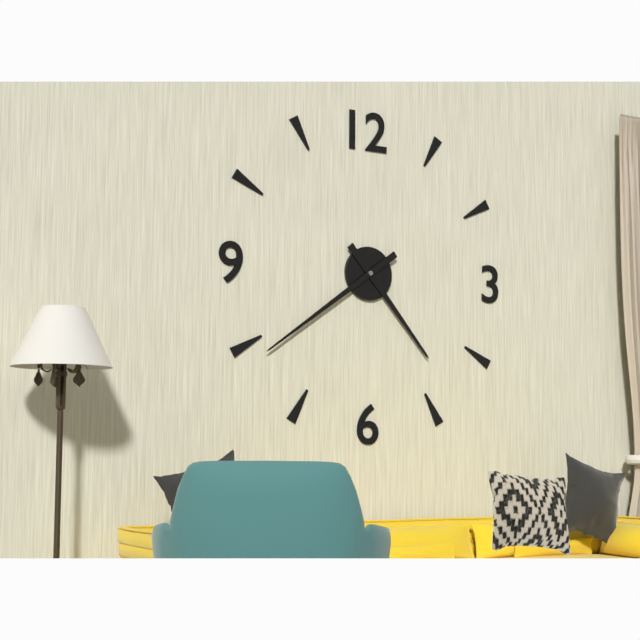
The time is 4:39
